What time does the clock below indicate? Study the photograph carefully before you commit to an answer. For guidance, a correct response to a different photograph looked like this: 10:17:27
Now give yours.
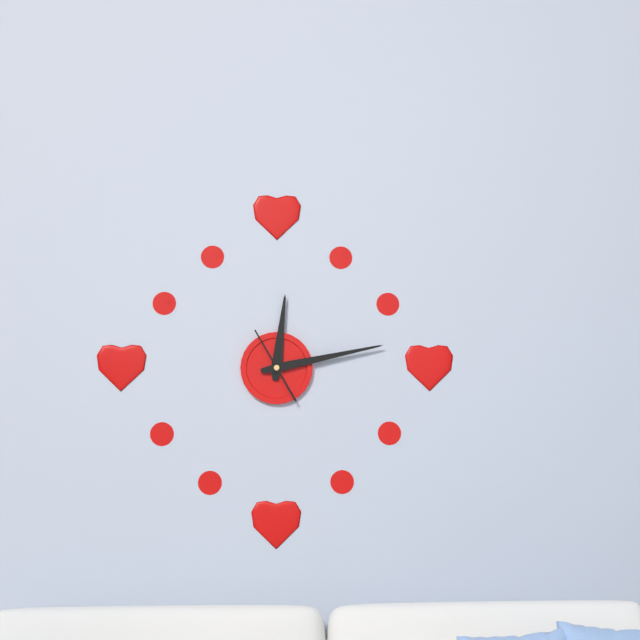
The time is 12:13:55
